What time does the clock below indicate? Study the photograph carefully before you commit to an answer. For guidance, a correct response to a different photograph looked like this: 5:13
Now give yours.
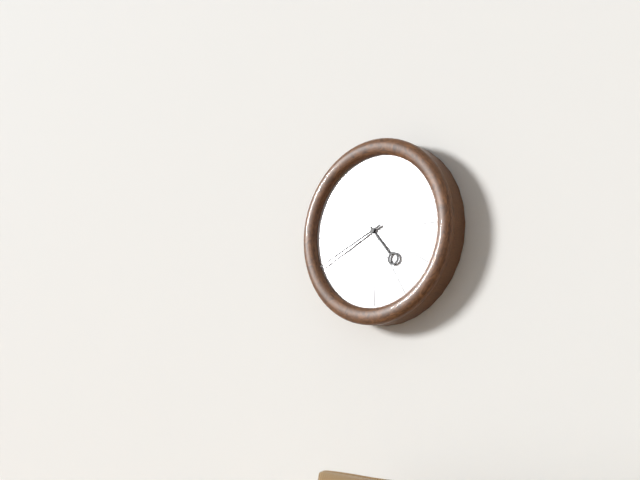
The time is 4:41
